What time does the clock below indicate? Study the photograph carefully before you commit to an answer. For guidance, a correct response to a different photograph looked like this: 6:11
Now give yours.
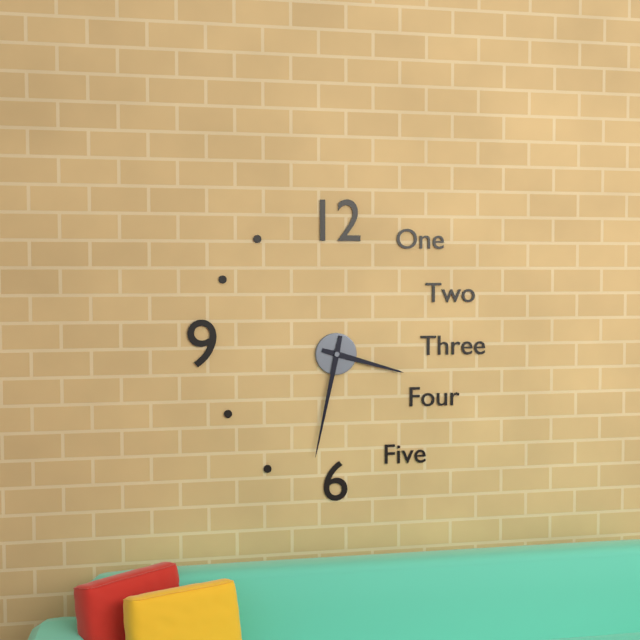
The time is 3:32
